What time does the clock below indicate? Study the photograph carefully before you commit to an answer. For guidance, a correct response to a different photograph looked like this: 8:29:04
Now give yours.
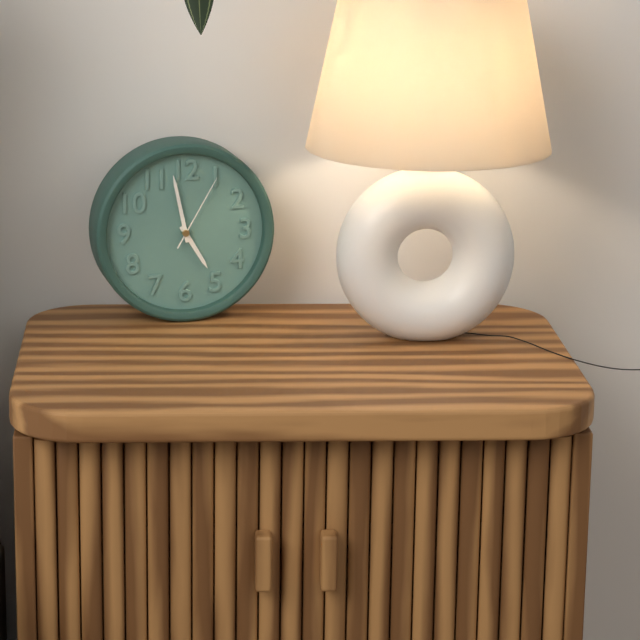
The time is 4:58:05
